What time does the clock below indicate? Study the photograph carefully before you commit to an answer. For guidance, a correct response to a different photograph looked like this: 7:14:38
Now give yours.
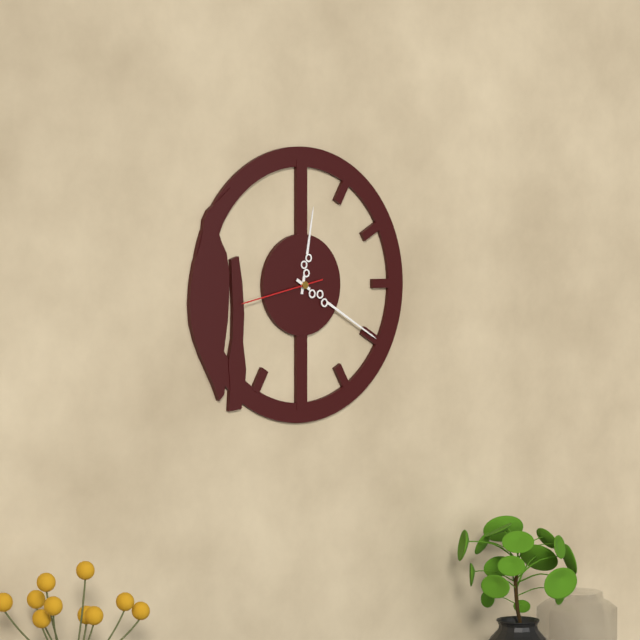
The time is 12:20:43
